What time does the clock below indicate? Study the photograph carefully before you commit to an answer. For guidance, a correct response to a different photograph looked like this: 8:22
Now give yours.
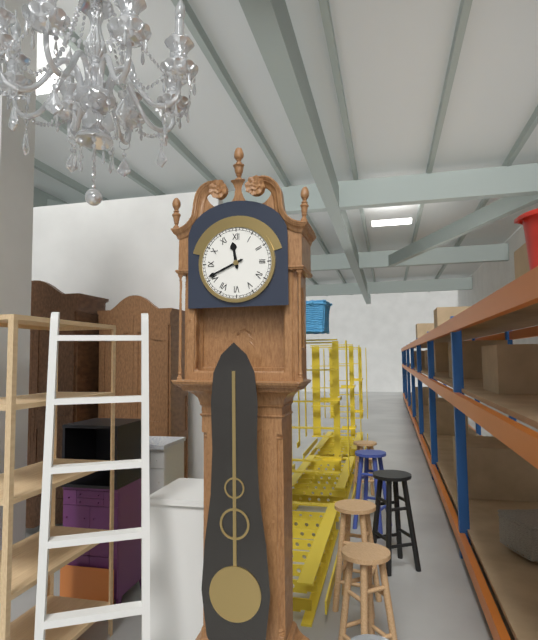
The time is 11:41
